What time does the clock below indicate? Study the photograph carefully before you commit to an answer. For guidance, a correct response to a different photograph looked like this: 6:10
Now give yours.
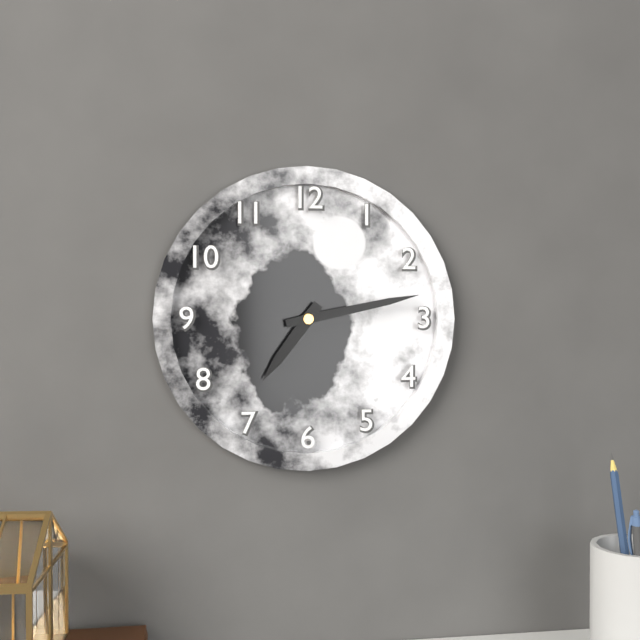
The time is 7:13
